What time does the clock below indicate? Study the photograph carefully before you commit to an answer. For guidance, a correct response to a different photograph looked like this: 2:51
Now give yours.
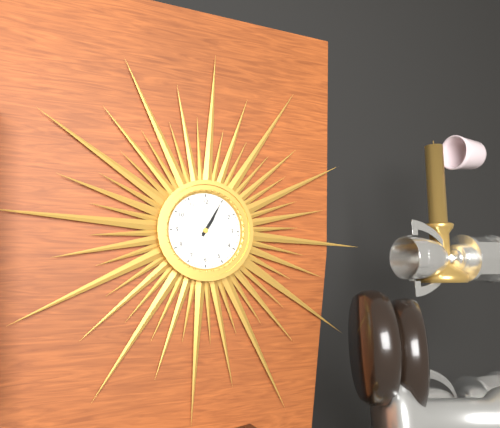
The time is 1:05
